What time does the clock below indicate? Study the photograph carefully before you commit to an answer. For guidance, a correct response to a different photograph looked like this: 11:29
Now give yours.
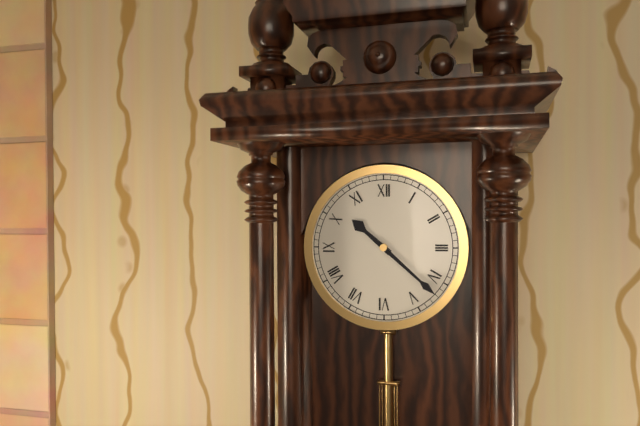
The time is 10:22
